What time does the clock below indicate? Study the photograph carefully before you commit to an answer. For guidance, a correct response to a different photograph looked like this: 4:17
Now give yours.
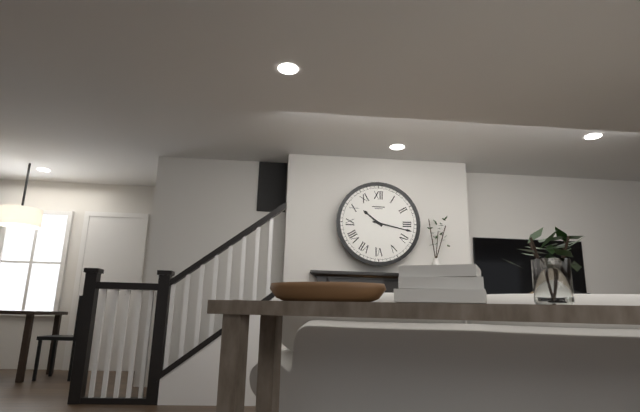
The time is 10:17
